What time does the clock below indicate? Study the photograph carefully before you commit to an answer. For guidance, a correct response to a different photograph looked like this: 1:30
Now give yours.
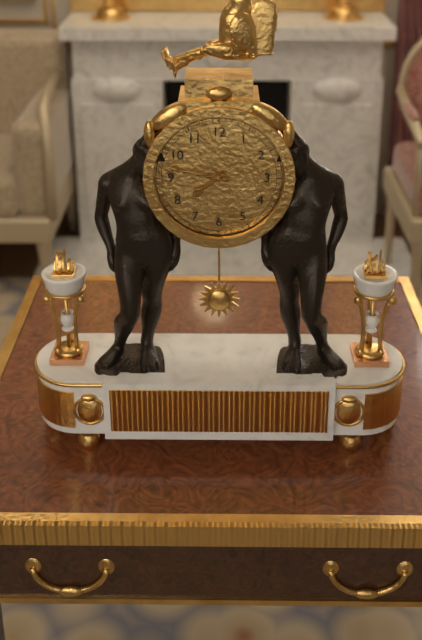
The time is 7:47
